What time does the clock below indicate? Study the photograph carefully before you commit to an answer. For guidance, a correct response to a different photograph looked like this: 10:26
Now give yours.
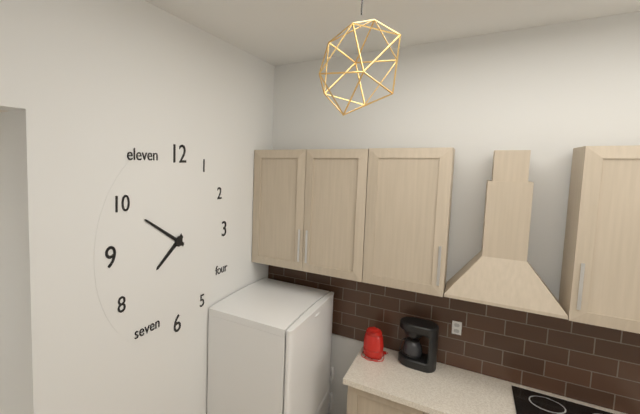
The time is 7:50
